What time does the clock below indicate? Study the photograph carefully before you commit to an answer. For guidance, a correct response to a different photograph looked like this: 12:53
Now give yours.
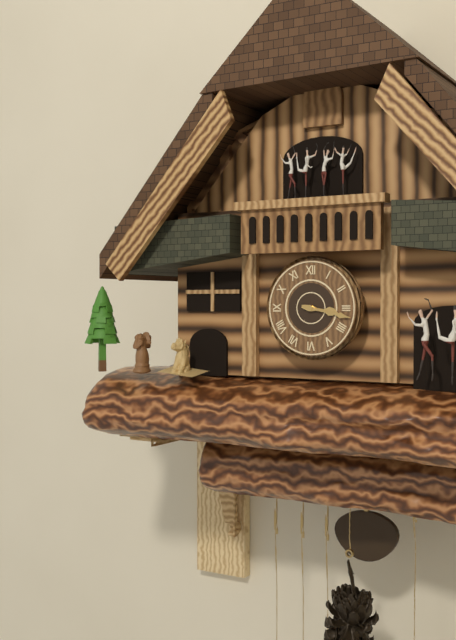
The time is 3:17
